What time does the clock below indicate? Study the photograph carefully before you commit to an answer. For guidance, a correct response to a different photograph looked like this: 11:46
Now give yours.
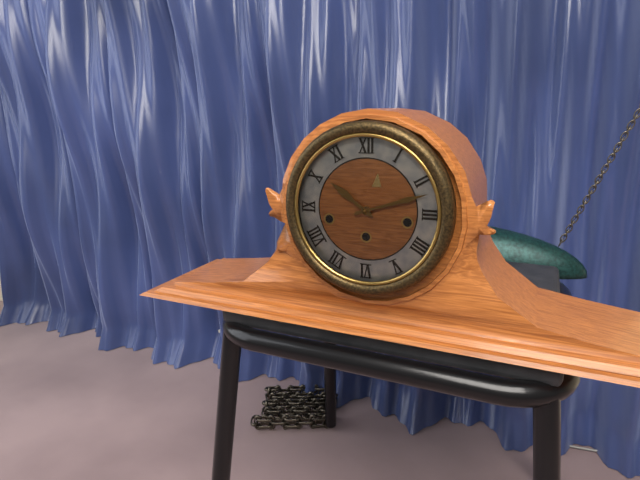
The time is 10:12
